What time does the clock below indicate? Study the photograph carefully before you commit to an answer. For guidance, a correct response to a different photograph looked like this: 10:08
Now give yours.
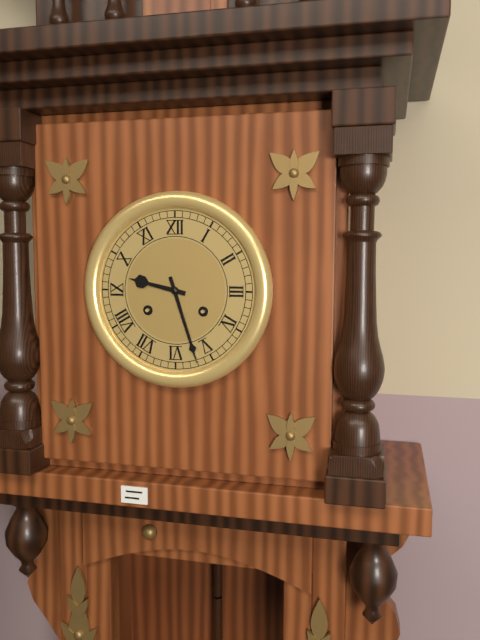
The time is 9:27
